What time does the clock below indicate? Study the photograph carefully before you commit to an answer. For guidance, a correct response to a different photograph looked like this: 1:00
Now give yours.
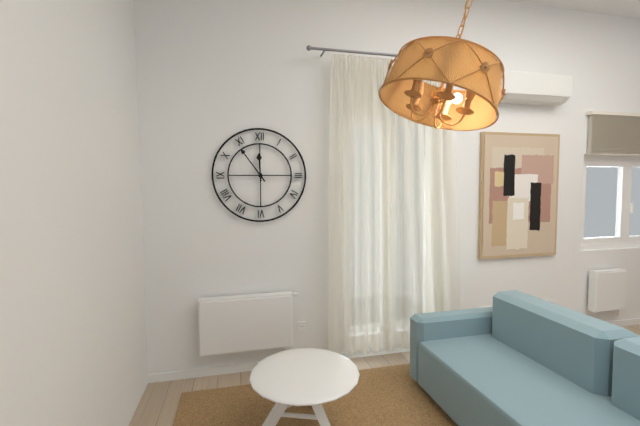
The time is 11:54
